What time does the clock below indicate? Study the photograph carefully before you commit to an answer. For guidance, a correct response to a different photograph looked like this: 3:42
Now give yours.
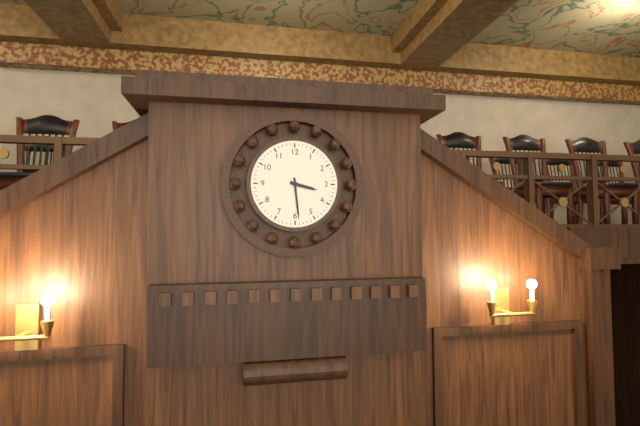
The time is 3:29
